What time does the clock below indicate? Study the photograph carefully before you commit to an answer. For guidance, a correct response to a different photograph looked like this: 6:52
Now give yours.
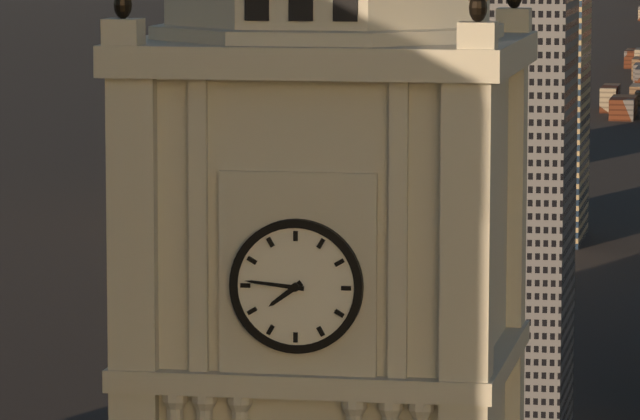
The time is 7:46
